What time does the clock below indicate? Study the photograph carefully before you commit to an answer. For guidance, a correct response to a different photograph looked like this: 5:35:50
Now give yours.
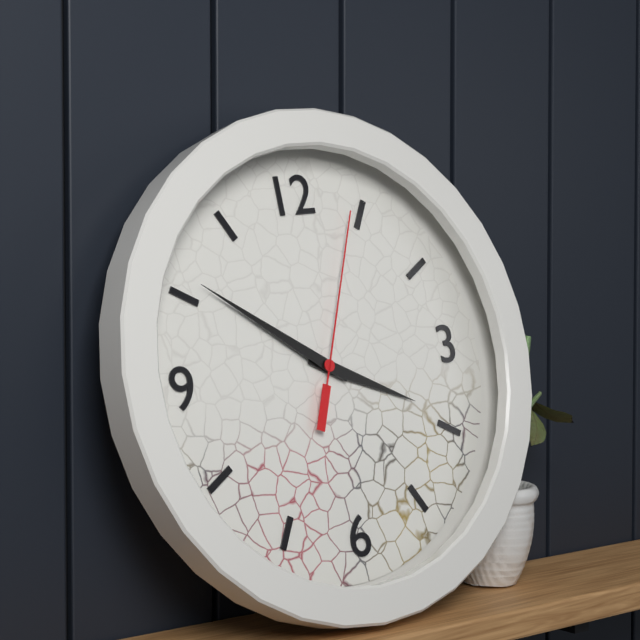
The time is 3:51:04
